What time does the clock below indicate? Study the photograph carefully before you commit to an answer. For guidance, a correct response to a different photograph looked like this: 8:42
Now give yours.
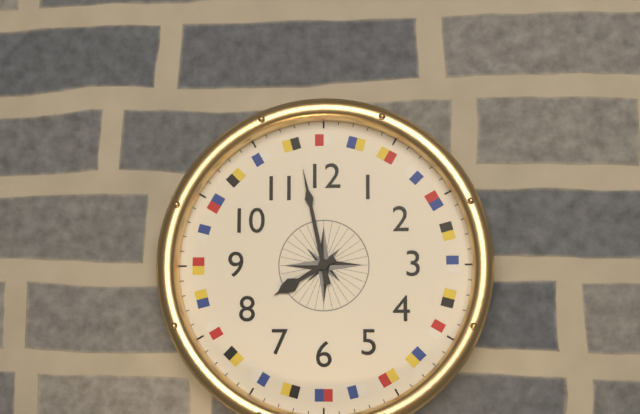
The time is 7:58
